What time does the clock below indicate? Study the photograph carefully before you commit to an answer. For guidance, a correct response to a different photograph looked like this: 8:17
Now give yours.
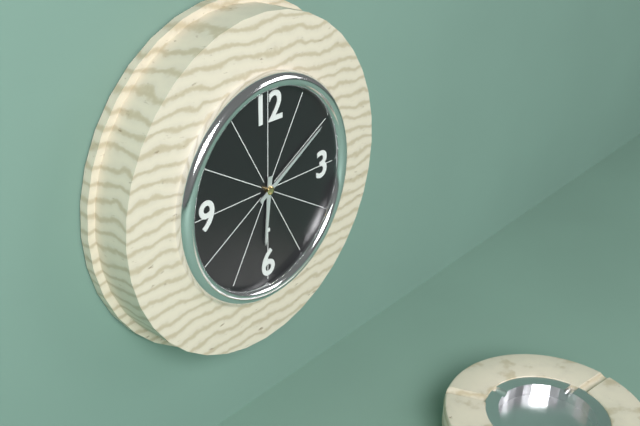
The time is 6:10
